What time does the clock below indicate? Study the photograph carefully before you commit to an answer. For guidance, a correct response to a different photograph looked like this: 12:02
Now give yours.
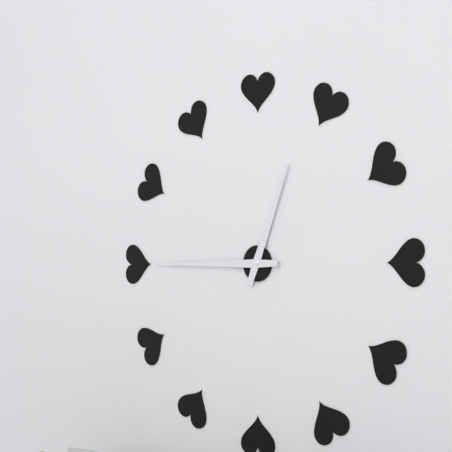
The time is 12:45
